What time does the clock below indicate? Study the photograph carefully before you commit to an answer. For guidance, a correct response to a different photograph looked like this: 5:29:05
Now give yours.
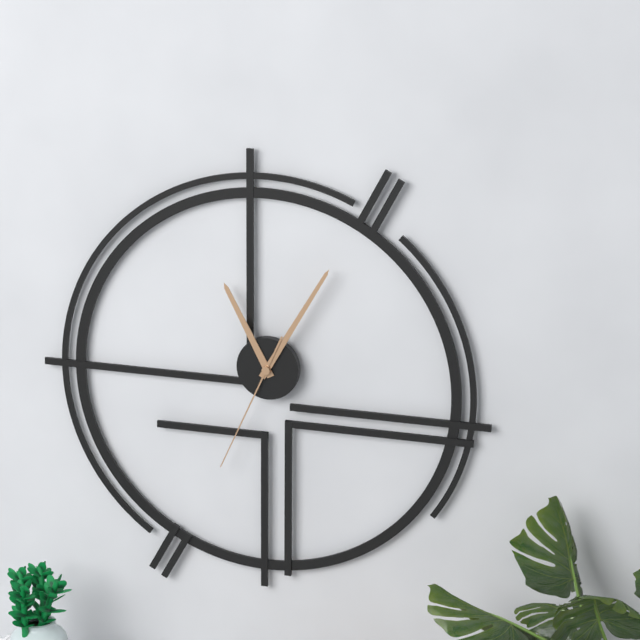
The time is 11:05:34
